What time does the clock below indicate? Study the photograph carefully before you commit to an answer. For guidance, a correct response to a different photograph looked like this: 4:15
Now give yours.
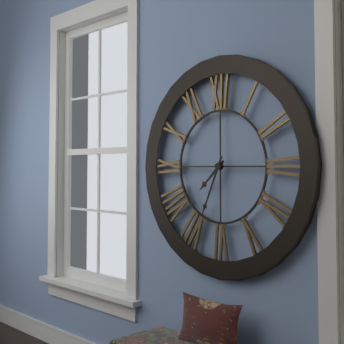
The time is 7:34
